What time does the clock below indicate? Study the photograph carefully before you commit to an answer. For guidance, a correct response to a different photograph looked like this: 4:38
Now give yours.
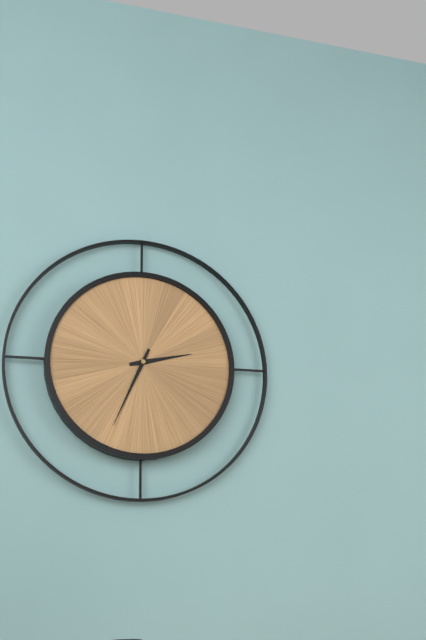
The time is 2:34
